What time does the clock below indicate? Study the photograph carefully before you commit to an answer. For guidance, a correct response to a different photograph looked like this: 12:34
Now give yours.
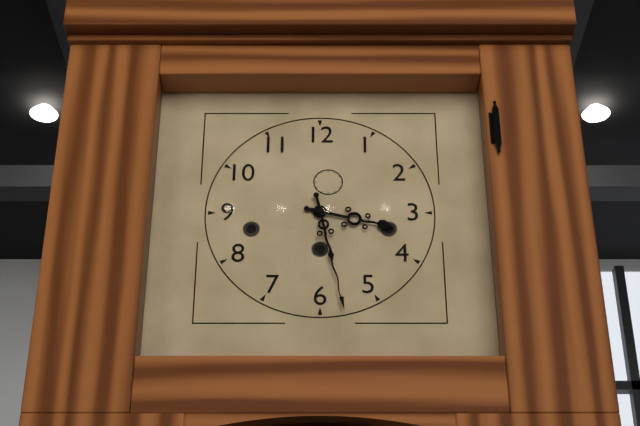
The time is 3:28
